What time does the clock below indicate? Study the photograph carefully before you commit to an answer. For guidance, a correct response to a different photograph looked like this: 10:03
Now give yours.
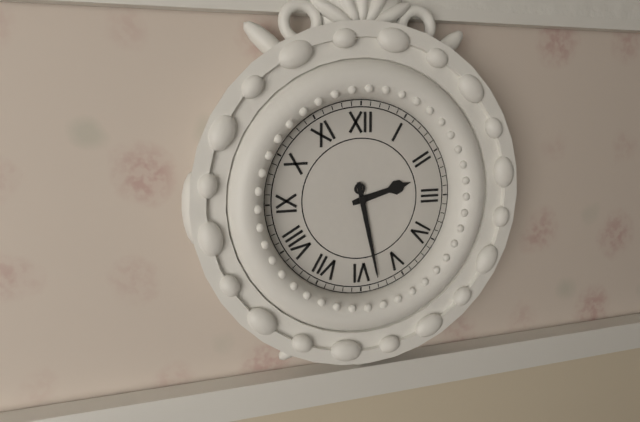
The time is 2:28
